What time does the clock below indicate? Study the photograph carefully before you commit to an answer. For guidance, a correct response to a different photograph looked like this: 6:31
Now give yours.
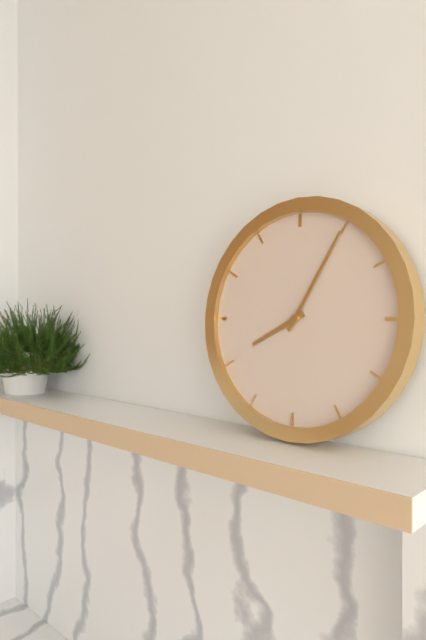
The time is 8:05
